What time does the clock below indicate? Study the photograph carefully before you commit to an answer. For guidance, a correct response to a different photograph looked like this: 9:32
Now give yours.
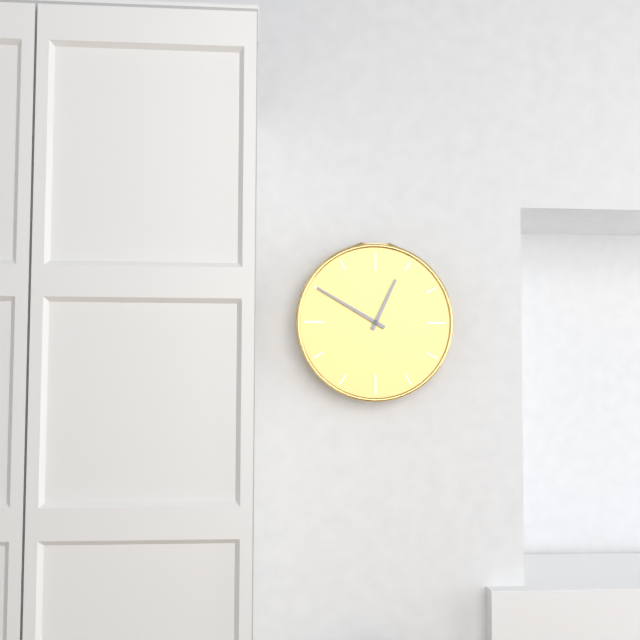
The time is 12:50
